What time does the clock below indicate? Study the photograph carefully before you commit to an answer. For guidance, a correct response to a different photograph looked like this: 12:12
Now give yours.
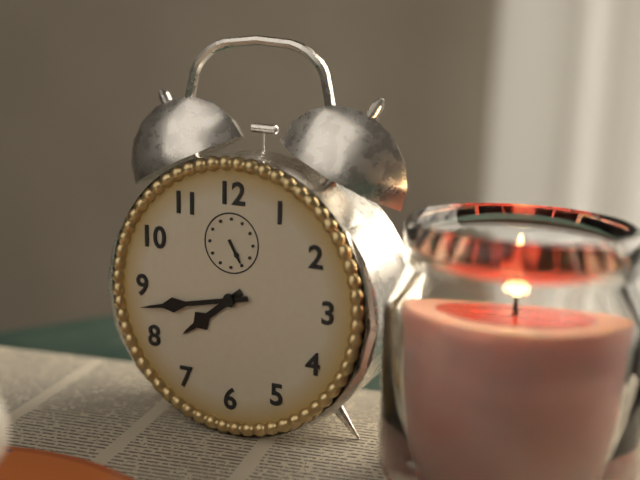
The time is 7:43
